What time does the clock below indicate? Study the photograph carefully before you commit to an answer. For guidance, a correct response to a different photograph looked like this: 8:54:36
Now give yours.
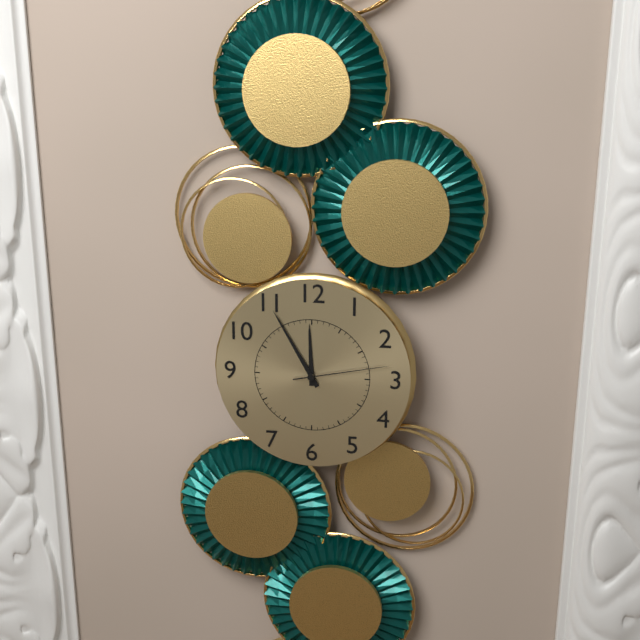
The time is 11:55:13
